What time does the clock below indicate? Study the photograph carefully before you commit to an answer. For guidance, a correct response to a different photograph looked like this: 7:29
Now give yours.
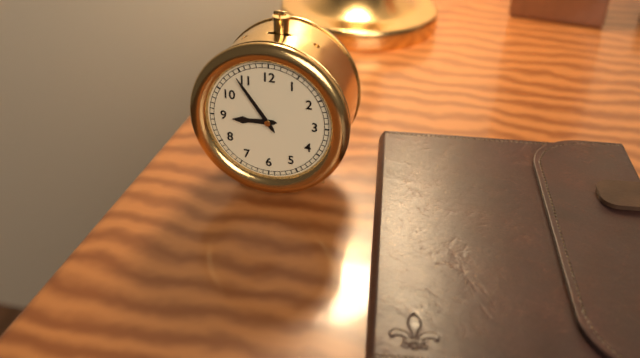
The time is 8:54
